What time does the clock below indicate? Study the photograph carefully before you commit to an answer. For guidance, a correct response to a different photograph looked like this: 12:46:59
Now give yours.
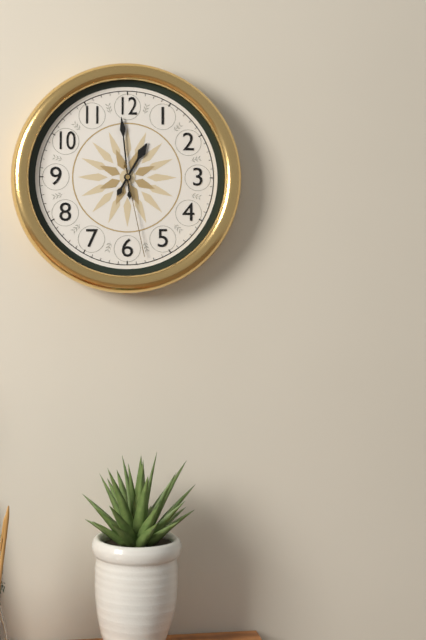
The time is 12:59:28
